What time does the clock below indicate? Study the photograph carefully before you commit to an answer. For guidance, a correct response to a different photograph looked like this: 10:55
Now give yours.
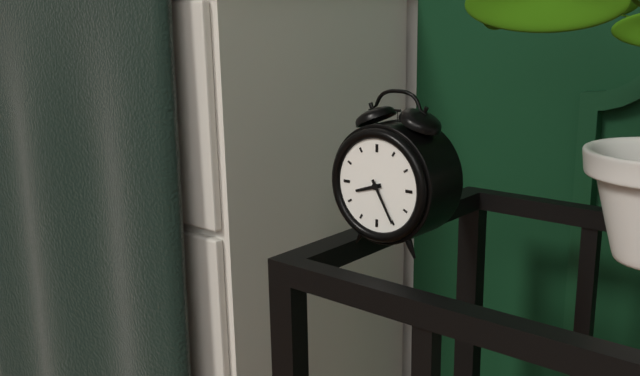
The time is 8:25
